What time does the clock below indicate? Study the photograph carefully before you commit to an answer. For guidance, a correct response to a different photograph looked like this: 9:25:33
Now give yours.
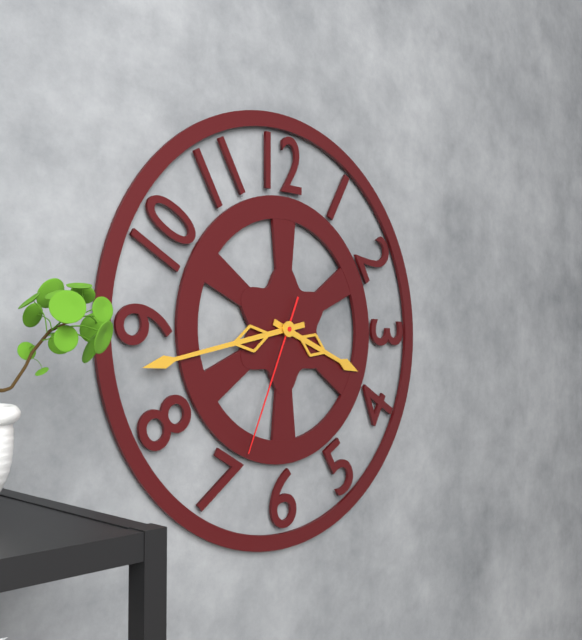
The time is 3:43:34
